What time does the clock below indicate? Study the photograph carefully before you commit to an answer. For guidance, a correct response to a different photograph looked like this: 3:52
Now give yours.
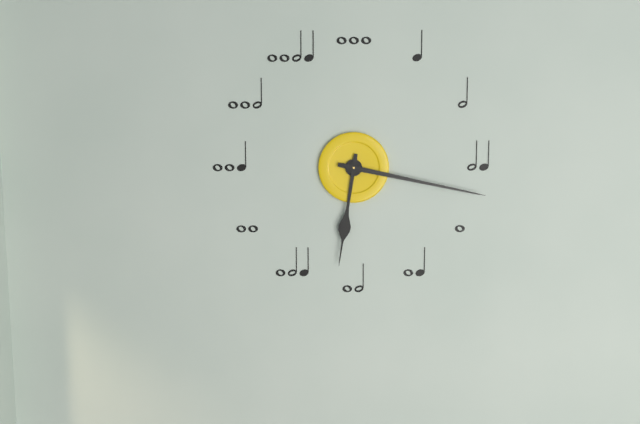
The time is 6:17
